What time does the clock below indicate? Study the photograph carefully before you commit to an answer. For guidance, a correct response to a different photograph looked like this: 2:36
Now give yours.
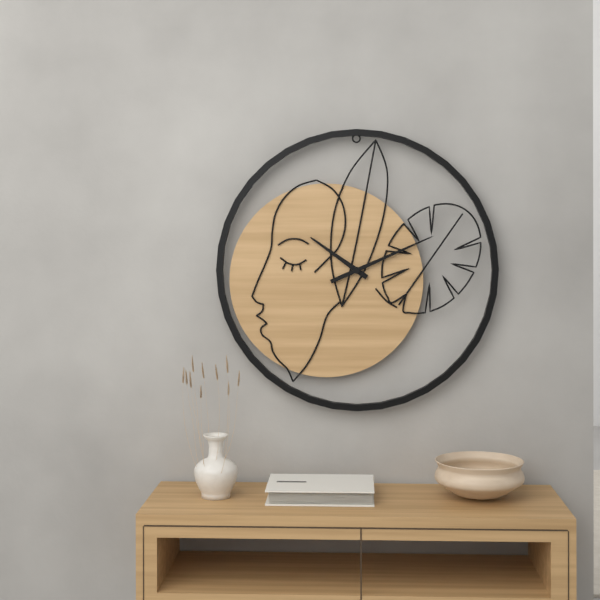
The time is 10:11
